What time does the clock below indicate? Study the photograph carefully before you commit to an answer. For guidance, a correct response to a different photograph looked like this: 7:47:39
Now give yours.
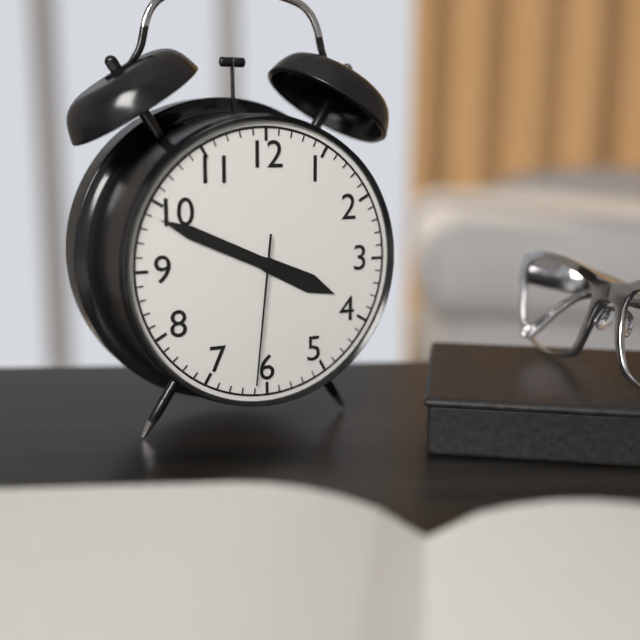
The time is 3:49:31
